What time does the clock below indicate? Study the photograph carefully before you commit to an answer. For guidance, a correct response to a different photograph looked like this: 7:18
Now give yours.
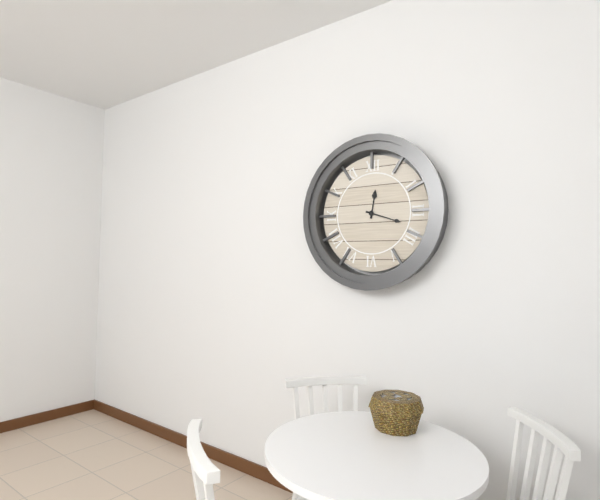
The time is 12:18
